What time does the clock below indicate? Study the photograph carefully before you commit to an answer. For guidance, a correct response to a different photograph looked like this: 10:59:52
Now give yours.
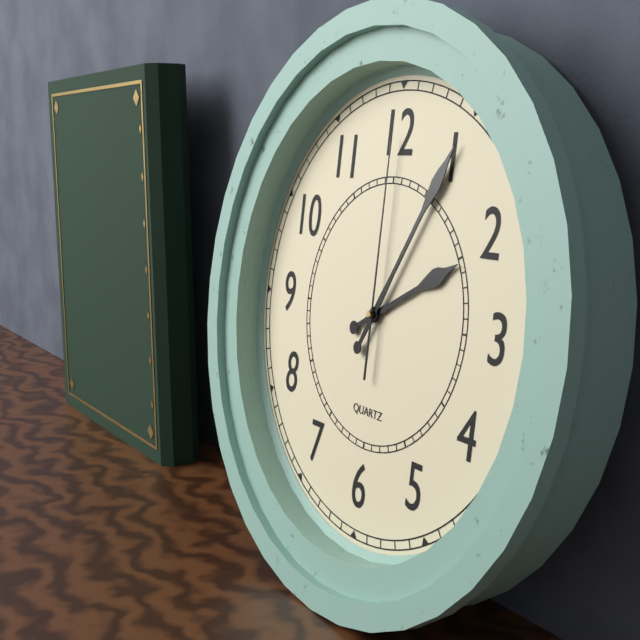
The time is 2:05:00
